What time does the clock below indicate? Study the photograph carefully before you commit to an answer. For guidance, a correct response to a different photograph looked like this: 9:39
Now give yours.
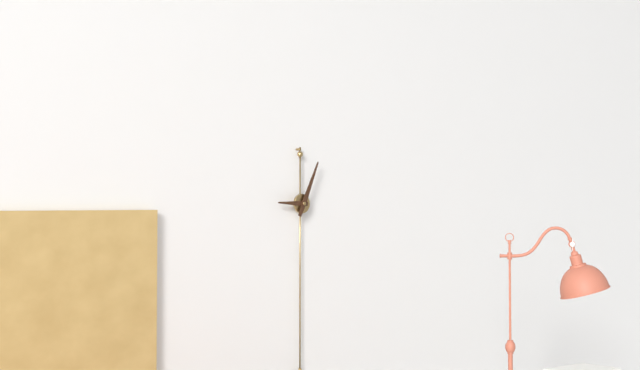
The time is 9:04
